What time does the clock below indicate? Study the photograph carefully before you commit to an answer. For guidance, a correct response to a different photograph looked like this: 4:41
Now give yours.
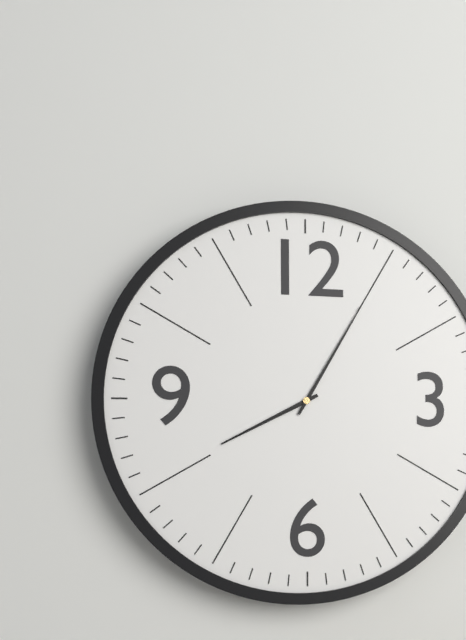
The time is 8:05
